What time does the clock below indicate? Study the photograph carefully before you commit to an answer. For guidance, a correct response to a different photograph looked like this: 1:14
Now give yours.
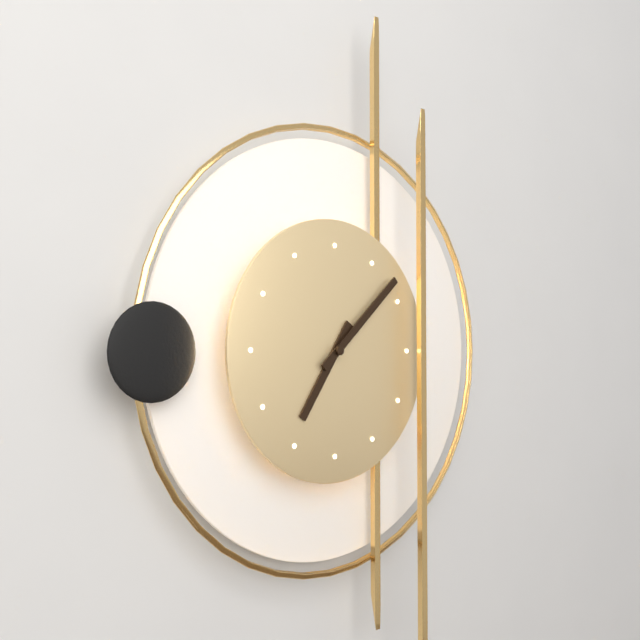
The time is 7:08
